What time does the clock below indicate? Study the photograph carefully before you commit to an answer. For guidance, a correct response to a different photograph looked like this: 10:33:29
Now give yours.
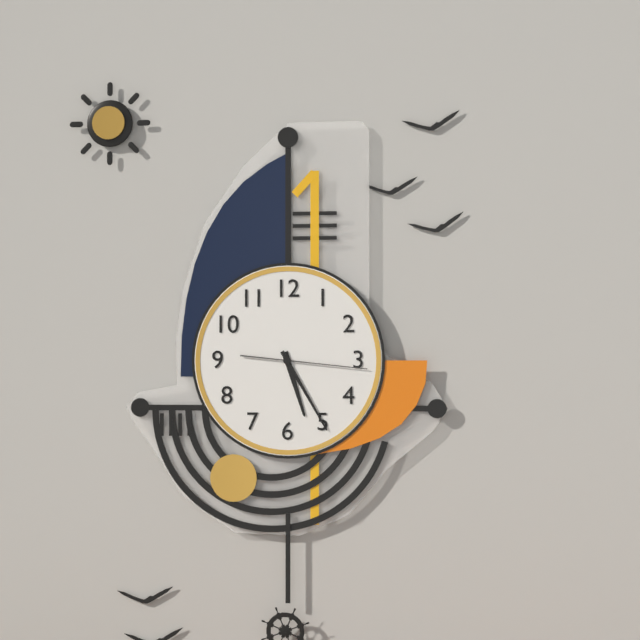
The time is 5:25:16
